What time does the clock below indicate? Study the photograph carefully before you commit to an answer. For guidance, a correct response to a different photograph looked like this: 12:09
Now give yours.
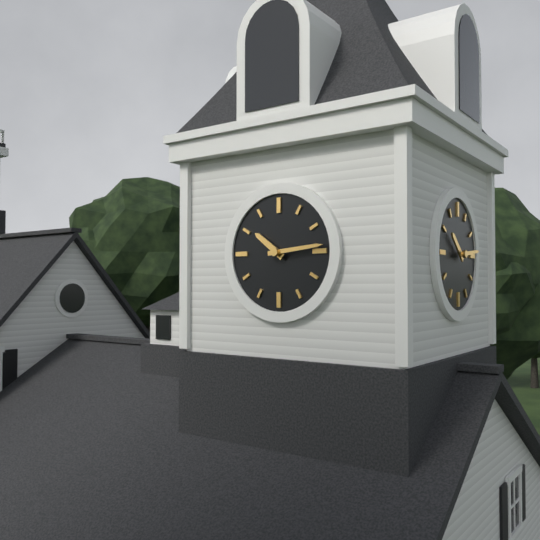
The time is 10:14
